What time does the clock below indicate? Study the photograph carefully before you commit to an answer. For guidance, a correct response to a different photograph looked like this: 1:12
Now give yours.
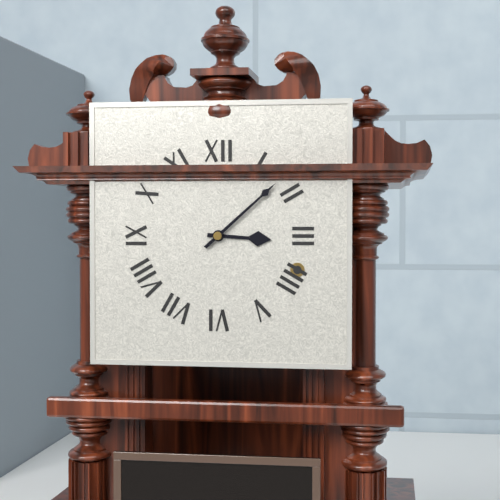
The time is 3:08
